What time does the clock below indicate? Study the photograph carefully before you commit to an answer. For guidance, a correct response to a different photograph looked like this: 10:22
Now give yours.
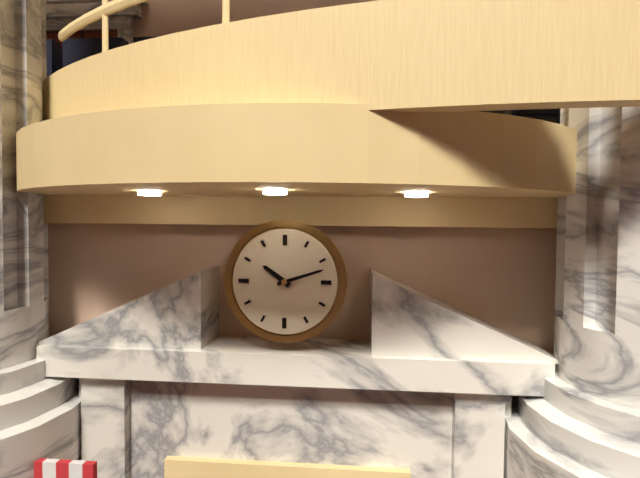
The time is 10:12
